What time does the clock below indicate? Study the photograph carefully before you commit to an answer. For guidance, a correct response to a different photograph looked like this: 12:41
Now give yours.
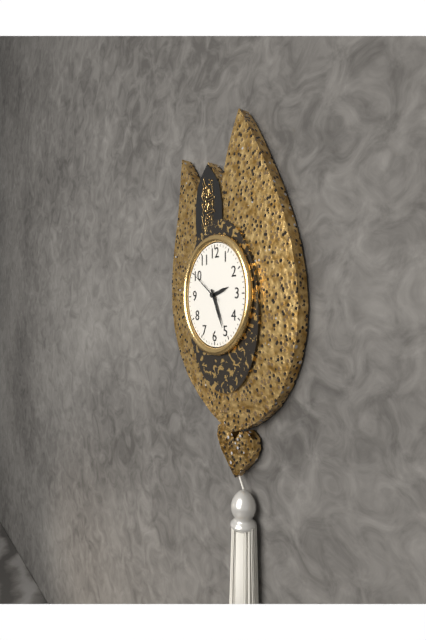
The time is 2:26
